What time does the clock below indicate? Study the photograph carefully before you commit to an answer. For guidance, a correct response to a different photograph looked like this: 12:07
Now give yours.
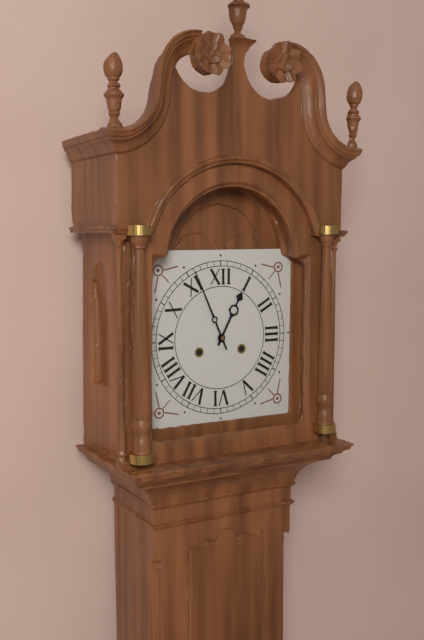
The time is 12:56
